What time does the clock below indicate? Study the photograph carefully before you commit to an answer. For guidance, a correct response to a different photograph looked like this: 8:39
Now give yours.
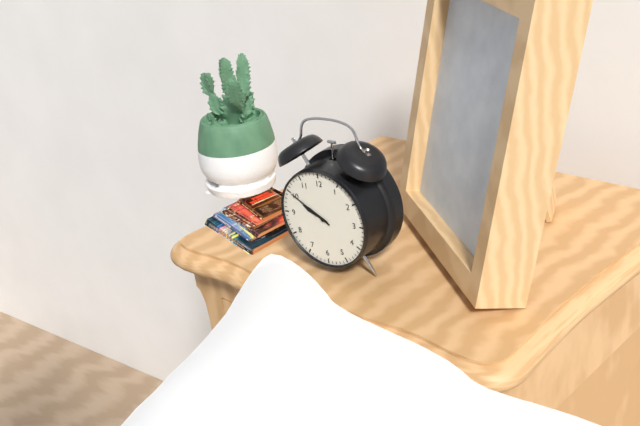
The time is 9:50
